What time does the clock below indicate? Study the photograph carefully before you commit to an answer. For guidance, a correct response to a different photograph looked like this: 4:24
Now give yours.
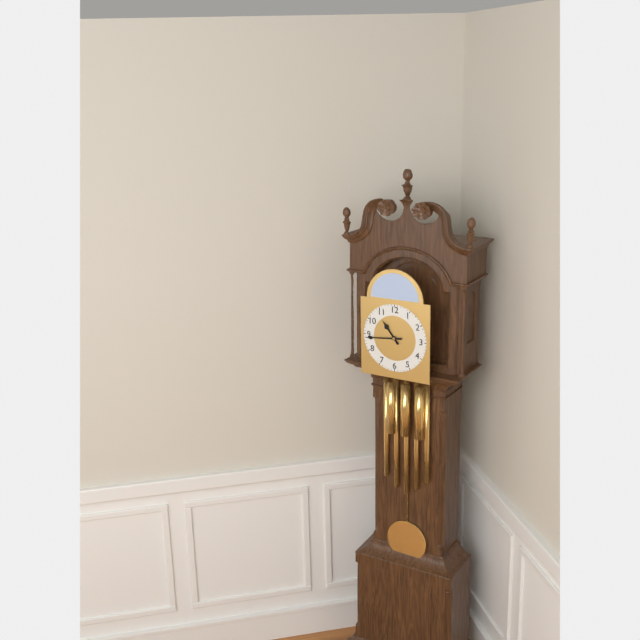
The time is 10:44
